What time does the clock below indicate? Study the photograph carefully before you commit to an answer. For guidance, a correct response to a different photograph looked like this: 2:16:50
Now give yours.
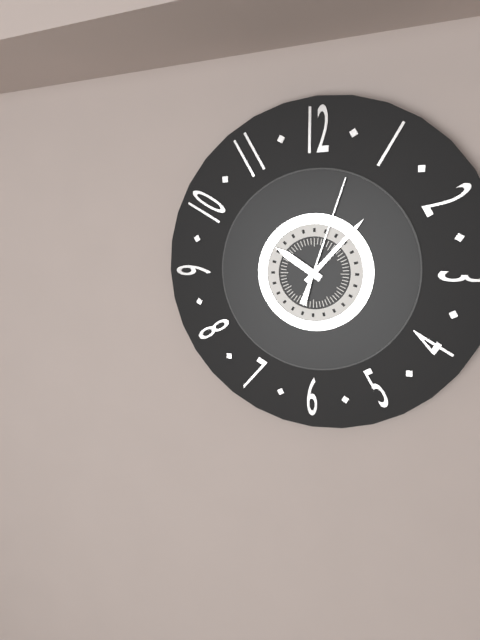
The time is 10:07:03
